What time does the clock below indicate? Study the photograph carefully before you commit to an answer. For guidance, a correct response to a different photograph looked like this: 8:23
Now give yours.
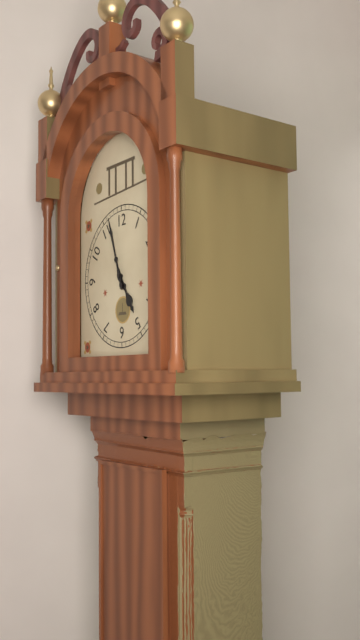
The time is 4:57
